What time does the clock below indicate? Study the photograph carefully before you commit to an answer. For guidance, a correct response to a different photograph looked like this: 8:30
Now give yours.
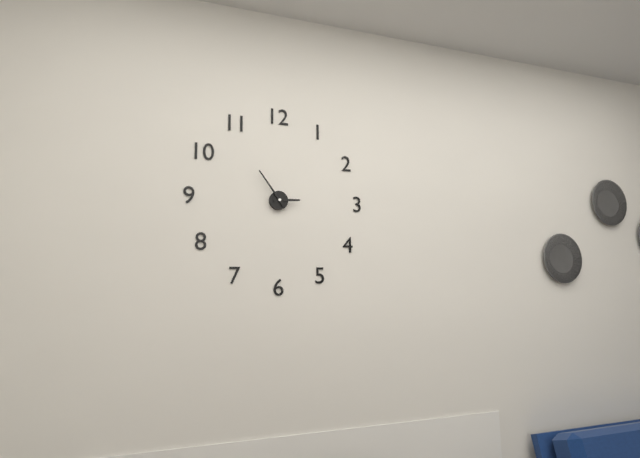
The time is 2:54
